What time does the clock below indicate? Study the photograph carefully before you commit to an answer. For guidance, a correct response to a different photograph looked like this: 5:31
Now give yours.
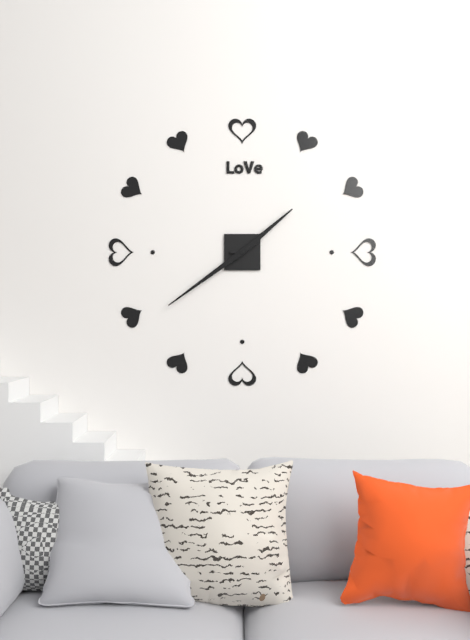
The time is 1:39
